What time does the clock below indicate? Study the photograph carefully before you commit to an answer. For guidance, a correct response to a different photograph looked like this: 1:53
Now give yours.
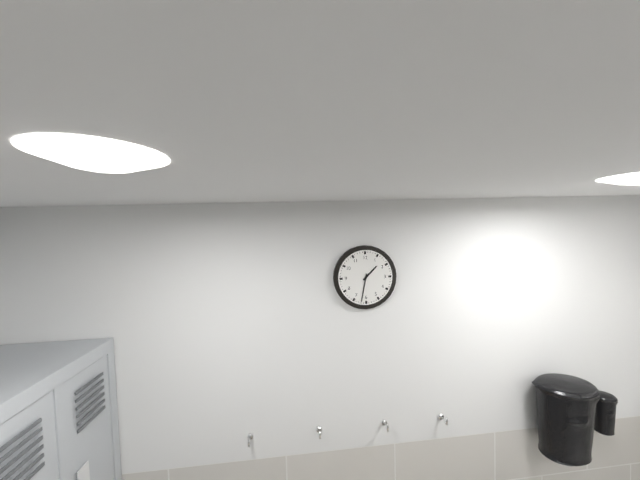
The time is 1:32
